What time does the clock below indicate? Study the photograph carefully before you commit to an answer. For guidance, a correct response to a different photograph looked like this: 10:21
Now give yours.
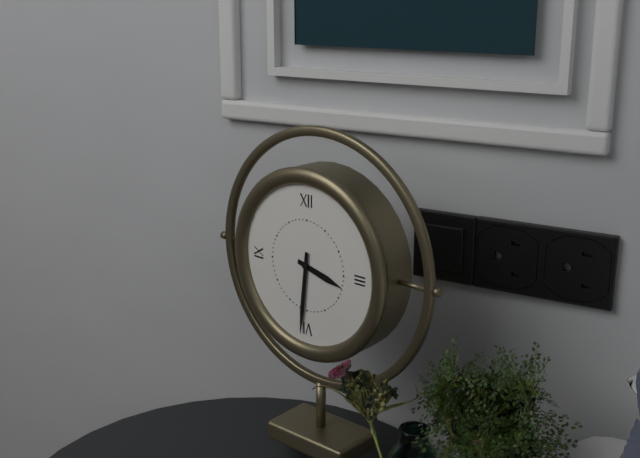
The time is 3:31
